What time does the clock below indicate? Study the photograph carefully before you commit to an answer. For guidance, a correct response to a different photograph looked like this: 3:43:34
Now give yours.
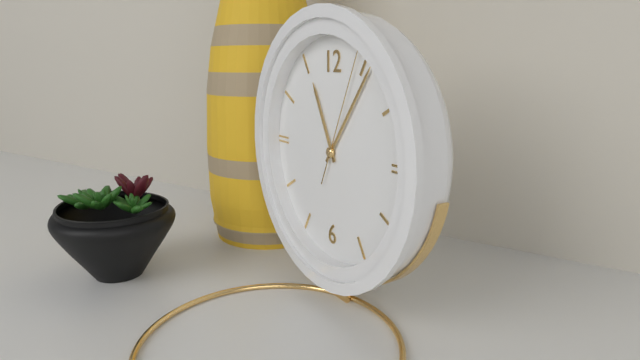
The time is 11:06:04
